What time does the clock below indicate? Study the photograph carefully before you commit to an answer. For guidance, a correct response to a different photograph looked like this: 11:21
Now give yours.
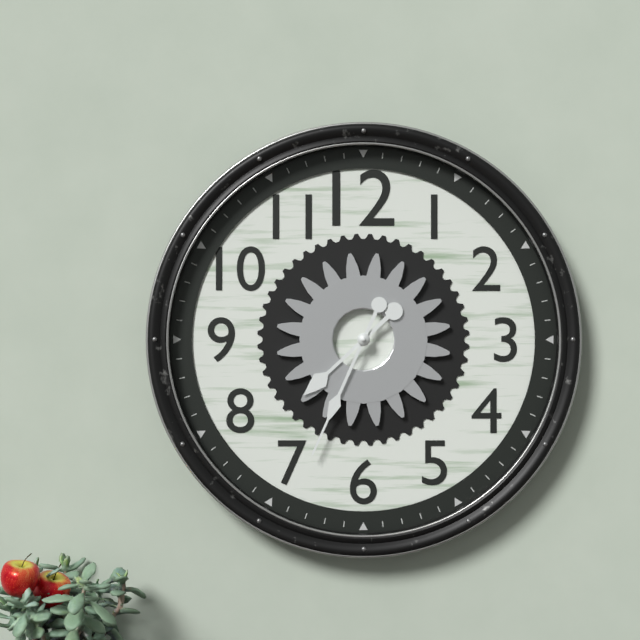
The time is 7:34
